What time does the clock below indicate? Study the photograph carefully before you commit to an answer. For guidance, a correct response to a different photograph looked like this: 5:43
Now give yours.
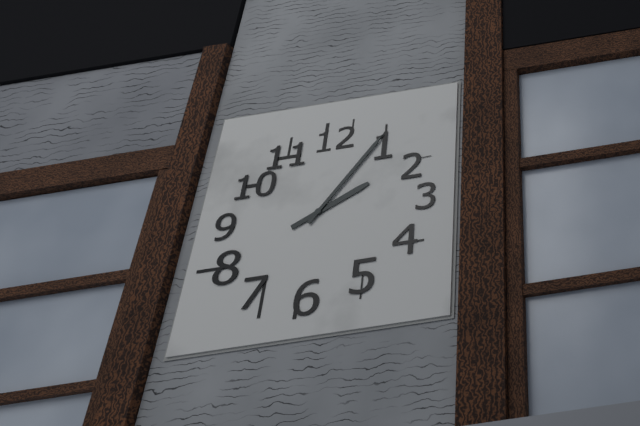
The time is 2:06
